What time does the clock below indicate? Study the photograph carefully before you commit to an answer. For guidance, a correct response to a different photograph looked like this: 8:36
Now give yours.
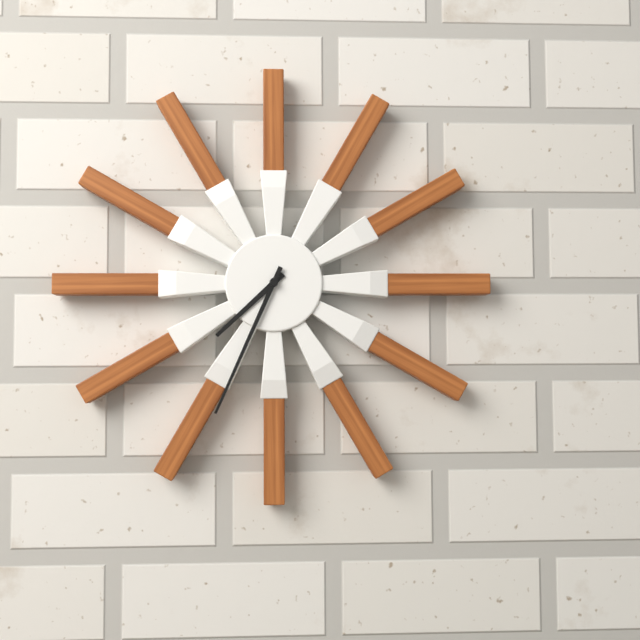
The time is 7:34
